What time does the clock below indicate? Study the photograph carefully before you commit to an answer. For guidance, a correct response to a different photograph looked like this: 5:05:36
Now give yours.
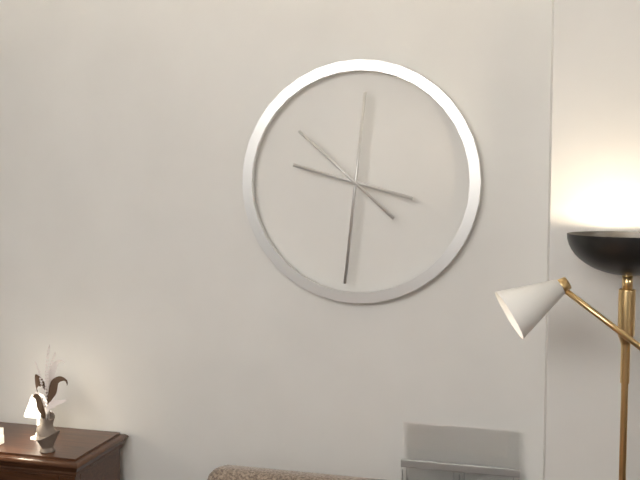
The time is 9:31:52
